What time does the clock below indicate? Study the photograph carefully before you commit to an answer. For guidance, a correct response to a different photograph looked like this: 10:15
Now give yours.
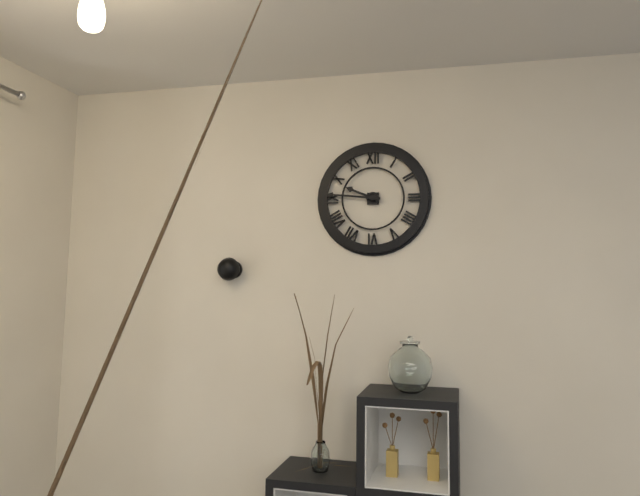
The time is 9:46
